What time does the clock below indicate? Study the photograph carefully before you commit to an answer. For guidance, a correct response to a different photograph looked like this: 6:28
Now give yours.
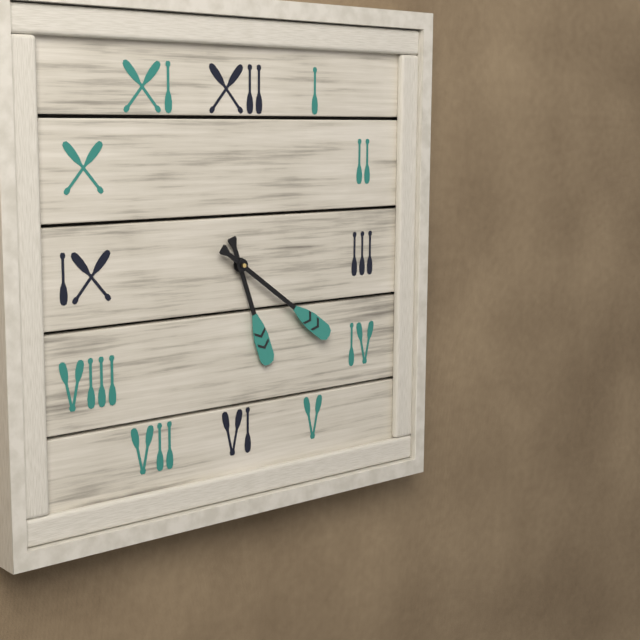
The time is 5:21
